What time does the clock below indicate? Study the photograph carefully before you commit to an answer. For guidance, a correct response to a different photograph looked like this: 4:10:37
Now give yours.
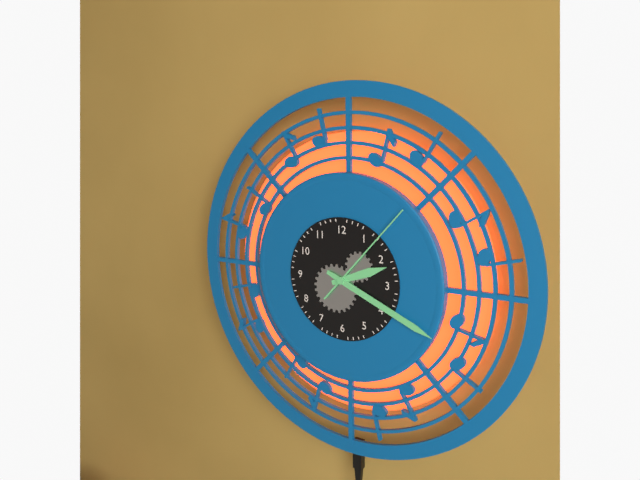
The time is 2:19:07
